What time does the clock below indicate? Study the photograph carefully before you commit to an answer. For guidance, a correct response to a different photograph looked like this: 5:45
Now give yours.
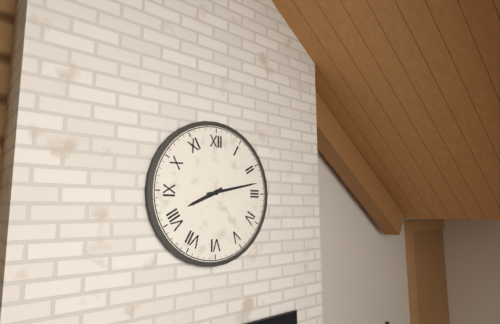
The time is 8:13
